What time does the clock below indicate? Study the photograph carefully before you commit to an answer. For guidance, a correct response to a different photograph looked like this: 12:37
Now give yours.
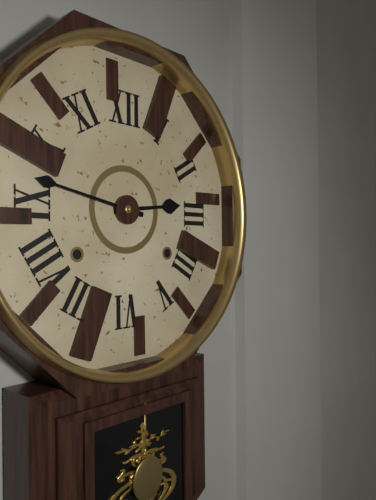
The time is 2:47
